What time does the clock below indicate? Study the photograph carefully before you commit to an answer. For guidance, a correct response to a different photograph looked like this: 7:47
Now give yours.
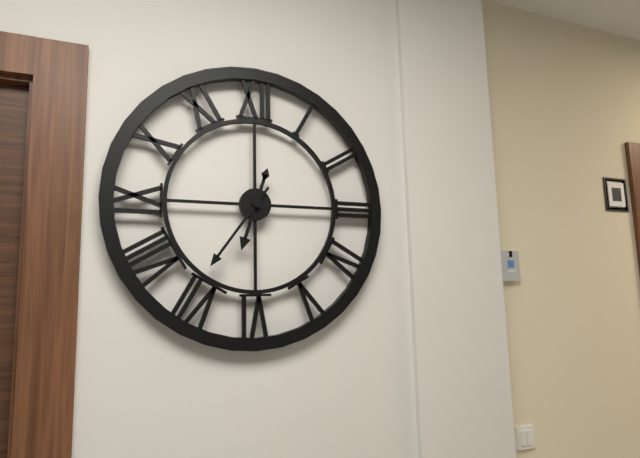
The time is 6:36
